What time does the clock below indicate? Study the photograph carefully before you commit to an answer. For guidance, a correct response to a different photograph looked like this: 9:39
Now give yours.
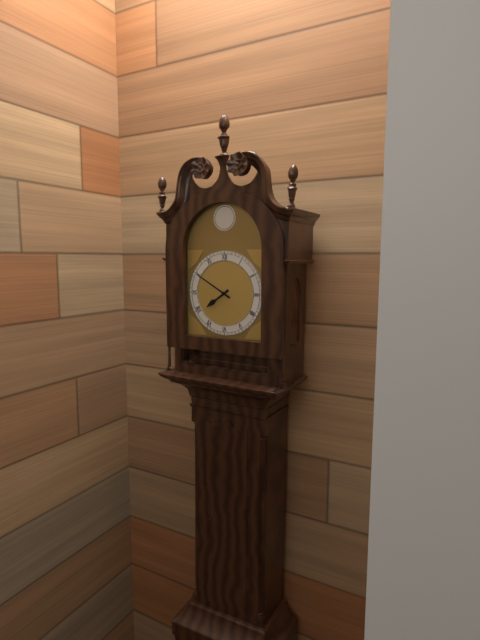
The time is 7:50
